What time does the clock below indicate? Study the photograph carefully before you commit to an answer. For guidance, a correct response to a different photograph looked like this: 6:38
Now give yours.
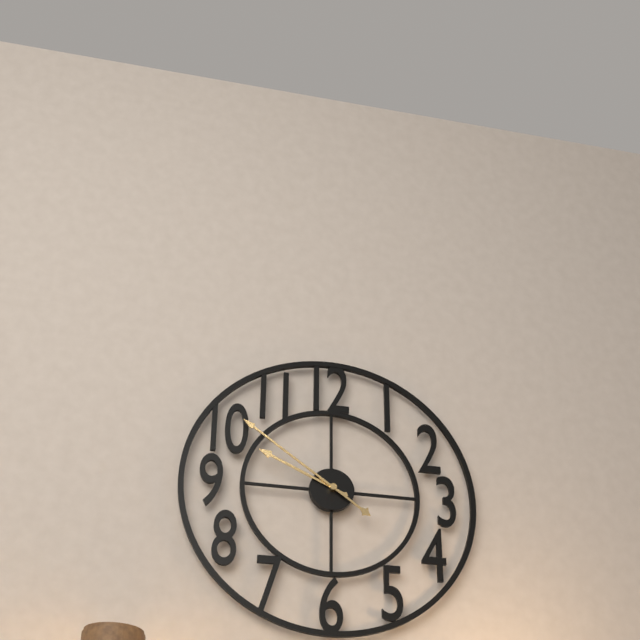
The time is 9:51
